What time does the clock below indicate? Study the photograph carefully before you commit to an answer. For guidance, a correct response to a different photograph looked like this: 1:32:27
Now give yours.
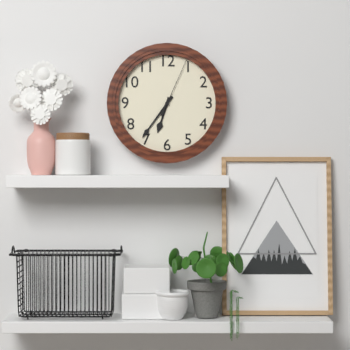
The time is 6:36:04
